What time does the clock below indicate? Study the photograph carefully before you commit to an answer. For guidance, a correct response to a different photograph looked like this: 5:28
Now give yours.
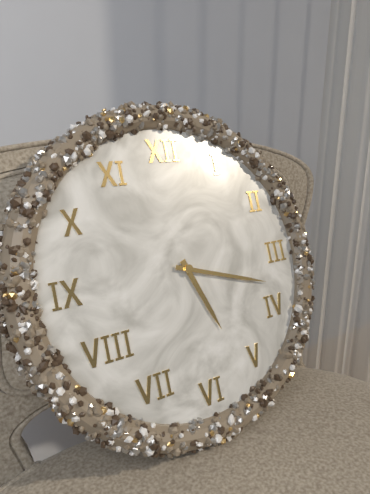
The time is 5:18
